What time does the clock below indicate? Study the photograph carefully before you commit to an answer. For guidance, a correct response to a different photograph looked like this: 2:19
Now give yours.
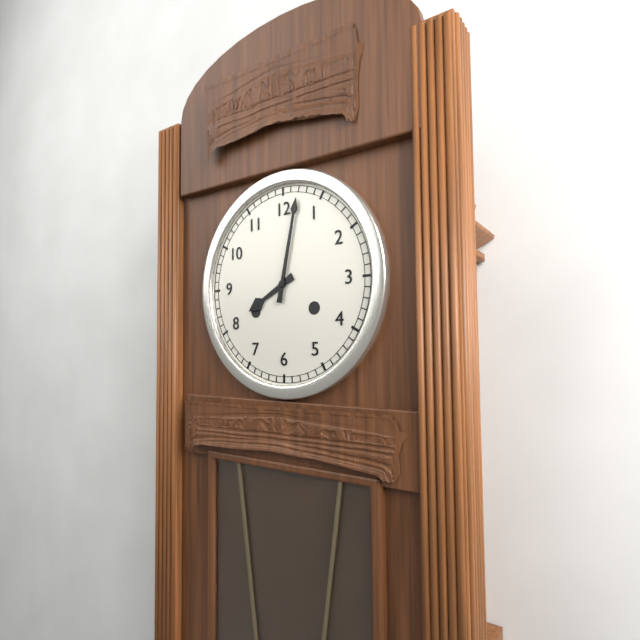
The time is 8:02
